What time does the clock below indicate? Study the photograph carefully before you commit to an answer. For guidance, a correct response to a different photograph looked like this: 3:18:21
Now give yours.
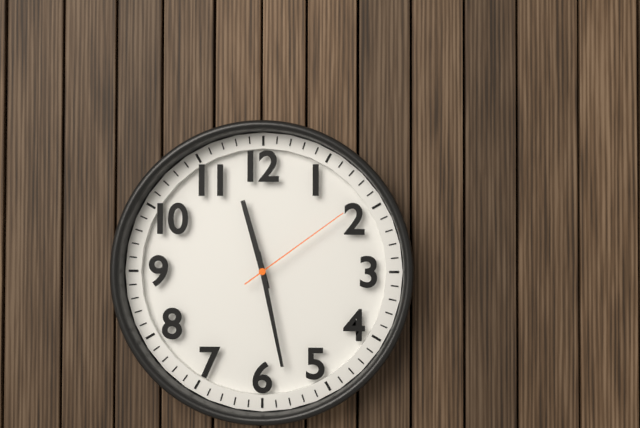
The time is 11:28:09
